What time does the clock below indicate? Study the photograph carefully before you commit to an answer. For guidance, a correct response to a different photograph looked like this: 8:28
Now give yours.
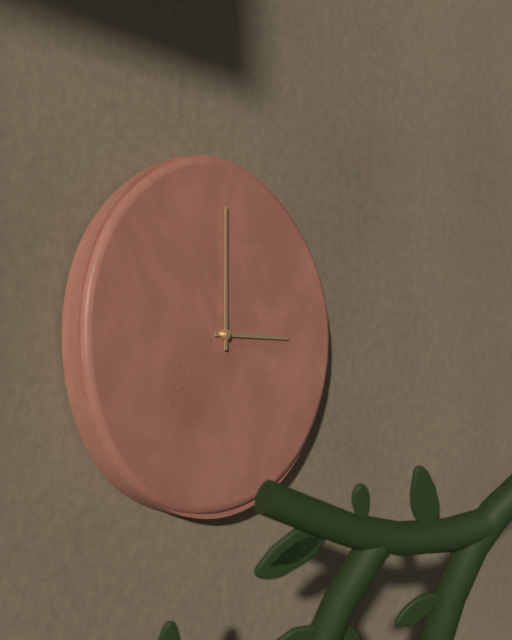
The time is 3:00
